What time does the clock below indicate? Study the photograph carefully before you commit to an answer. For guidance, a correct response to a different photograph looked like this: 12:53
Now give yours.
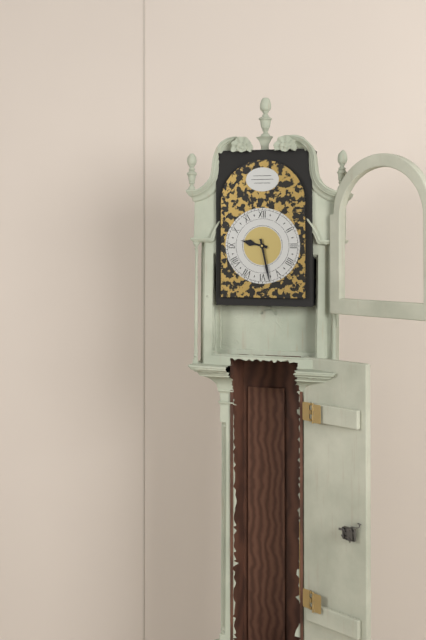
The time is 9:28
